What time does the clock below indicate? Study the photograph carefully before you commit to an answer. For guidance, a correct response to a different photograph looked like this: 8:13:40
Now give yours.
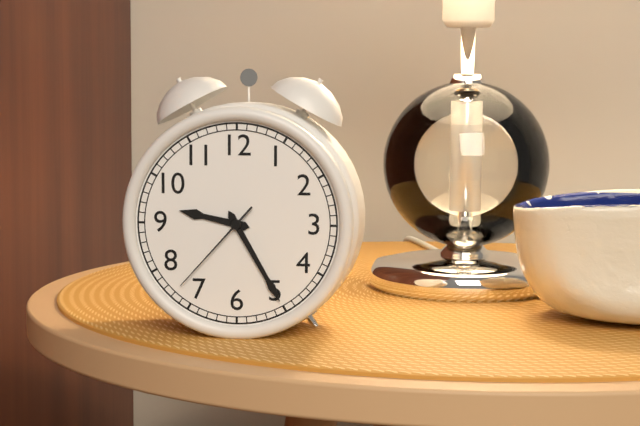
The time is 9:25:37
